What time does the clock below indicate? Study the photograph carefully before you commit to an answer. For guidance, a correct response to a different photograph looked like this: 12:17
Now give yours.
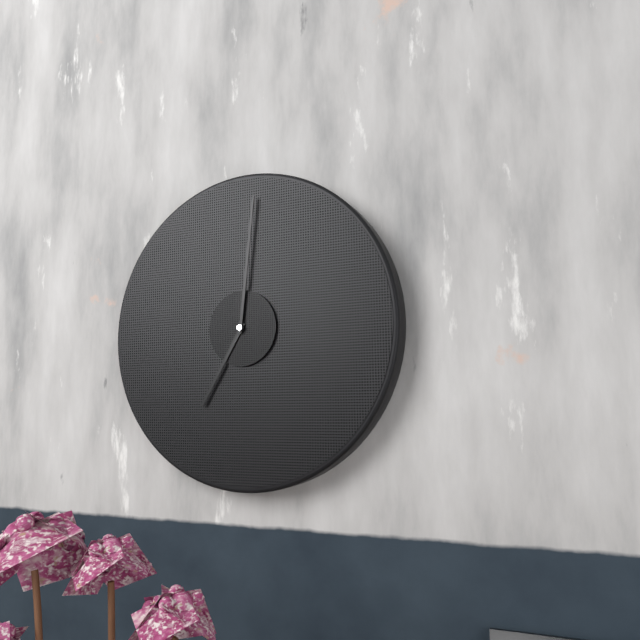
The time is 7:01
